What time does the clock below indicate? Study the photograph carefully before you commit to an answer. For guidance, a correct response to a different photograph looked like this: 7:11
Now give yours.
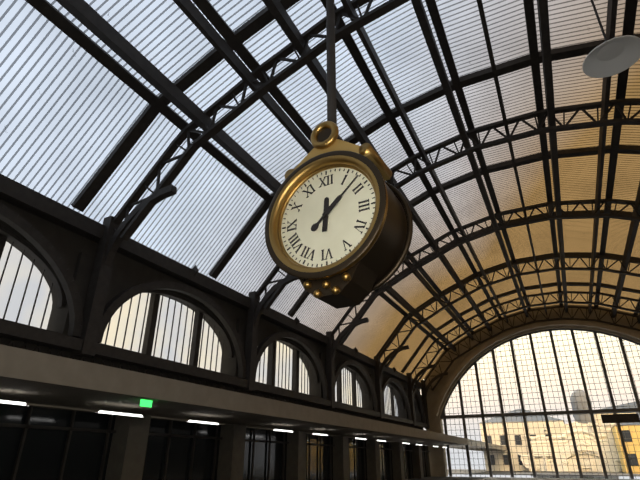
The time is 12:08
